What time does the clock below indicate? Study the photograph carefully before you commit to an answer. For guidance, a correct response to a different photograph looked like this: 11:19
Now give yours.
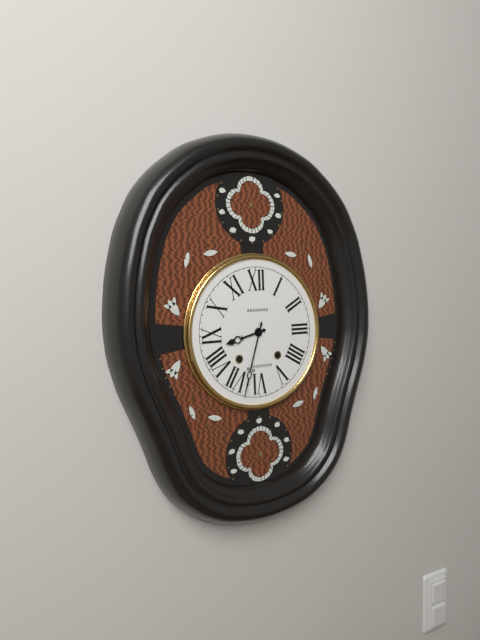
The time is 8:33
